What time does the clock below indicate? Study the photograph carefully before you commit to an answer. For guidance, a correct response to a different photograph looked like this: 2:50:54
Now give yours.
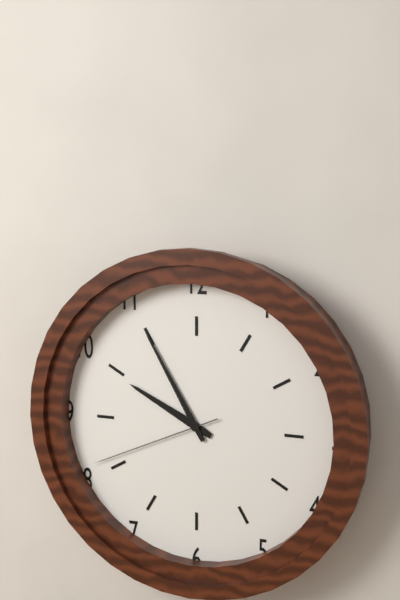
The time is 9:55:41
